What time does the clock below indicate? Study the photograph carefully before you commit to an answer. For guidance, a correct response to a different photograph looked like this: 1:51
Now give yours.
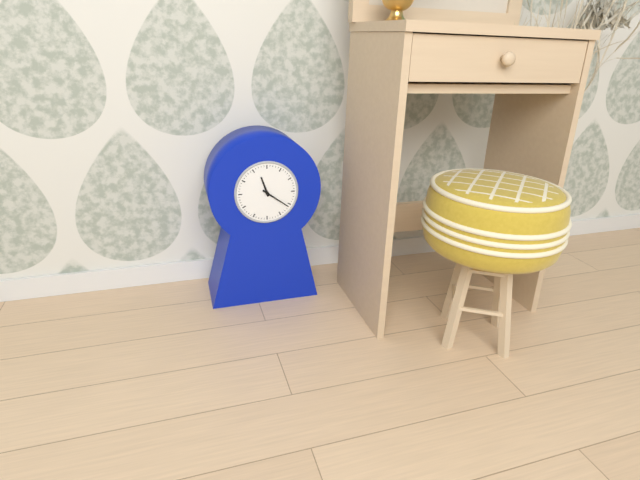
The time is 11:21
